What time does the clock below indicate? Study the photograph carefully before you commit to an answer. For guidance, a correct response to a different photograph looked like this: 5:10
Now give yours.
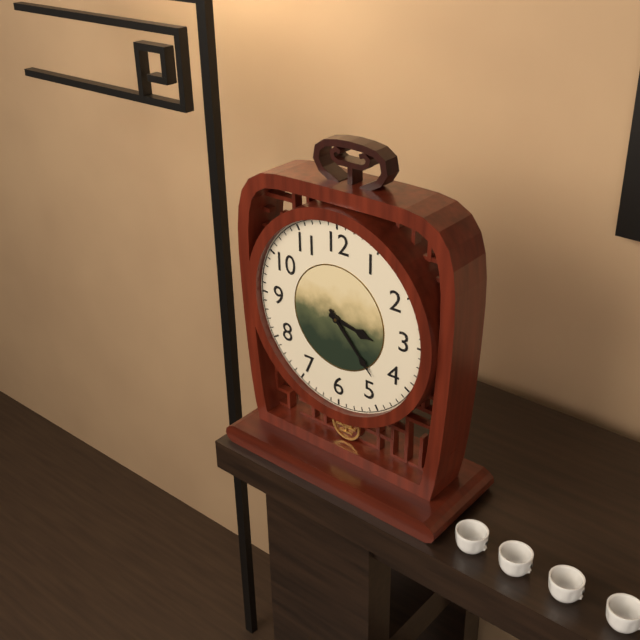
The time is 3:23
